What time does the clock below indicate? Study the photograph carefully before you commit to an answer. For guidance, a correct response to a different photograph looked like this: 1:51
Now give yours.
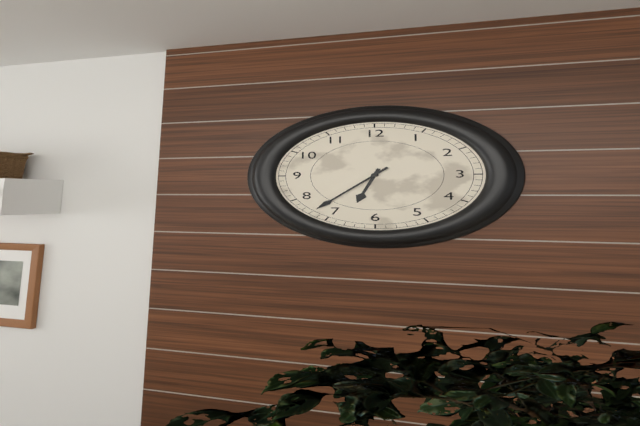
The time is 6:37
